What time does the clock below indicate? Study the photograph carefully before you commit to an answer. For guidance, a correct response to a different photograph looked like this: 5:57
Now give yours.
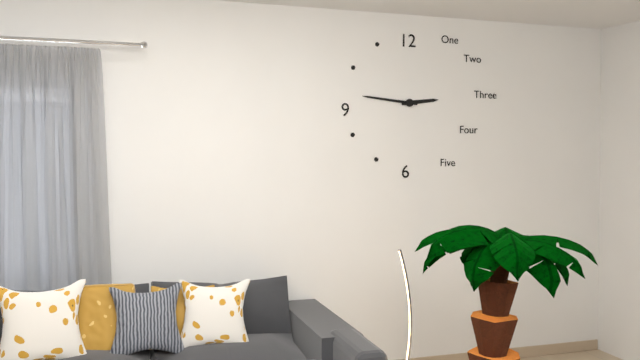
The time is 2:46
